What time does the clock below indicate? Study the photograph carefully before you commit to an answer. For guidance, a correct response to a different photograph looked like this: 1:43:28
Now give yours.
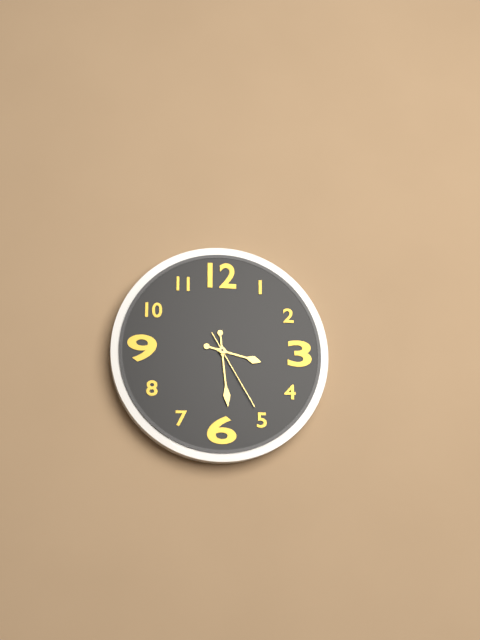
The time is 3:29:25
